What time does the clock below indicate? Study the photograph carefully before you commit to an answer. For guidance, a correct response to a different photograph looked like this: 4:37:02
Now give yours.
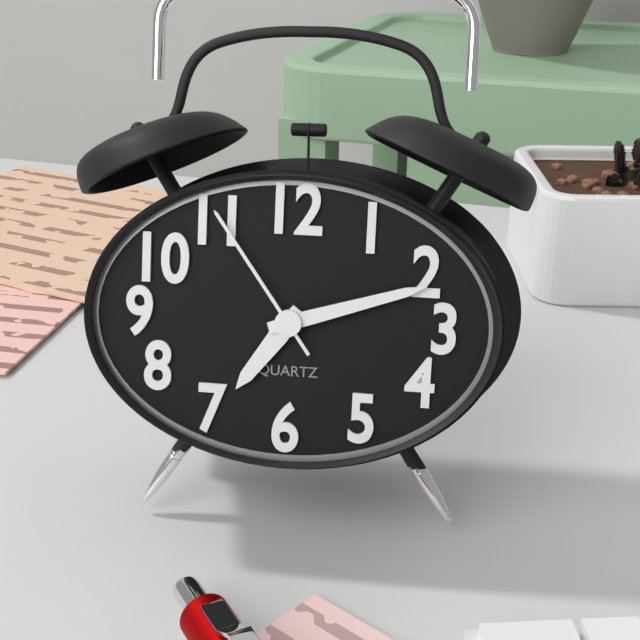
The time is 7:12:54
